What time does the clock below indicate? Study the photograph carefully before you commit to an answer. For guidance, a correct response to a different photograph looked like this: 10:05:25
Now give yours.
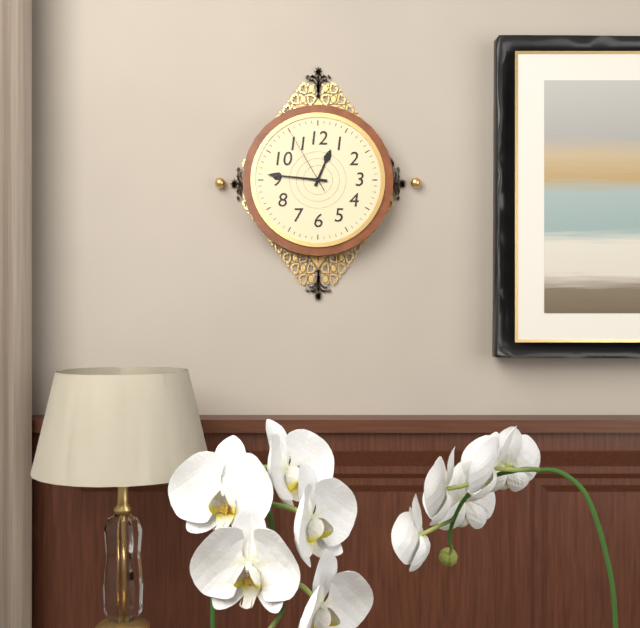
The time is 12:46:55
